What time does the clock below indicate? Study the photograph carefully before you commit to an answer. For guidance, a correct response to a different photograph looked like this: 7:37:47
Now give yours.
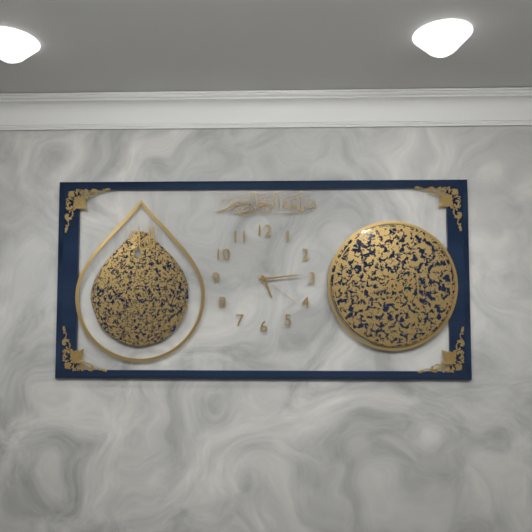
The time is 5:14:21
